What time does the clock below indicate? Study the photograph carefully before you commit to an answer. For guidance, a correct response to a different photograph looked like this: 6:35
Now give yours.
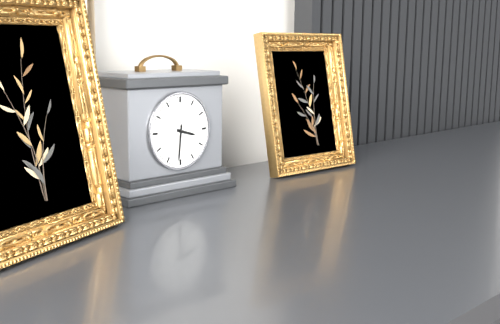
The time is 3:31
